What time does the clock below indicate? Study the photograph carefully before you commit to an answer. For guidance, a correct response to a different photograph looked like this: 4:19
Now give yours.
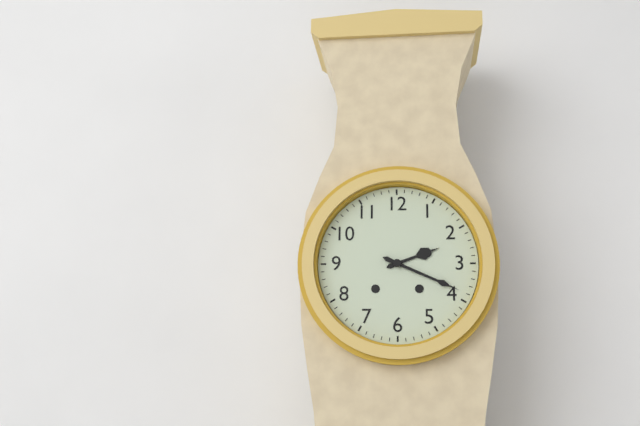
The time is 2:19
